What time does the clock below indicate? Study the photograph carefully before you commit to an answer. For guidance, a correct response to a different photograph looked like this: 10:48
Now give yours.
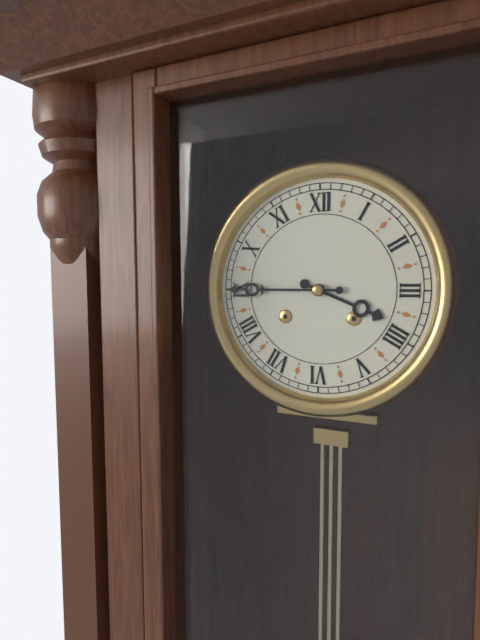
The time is 3:45
